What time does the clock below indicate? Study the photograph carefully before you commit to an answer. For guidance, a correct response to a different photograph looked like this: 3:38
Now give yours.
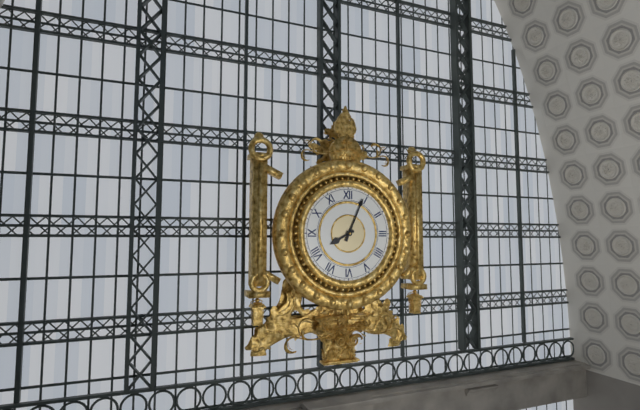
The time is 8:04
